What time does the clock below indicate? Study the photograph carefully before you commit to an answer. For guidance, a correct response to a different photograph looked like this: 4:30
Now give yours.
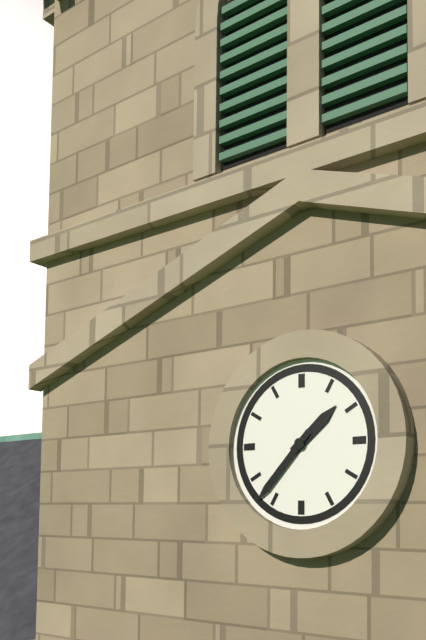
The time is 1:37
